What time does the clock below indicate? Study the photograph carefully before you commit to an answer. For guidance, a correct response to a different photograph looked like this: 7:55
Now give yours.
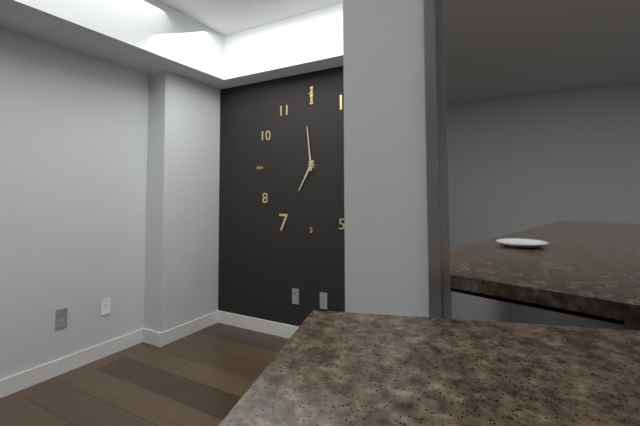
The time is 6:59
